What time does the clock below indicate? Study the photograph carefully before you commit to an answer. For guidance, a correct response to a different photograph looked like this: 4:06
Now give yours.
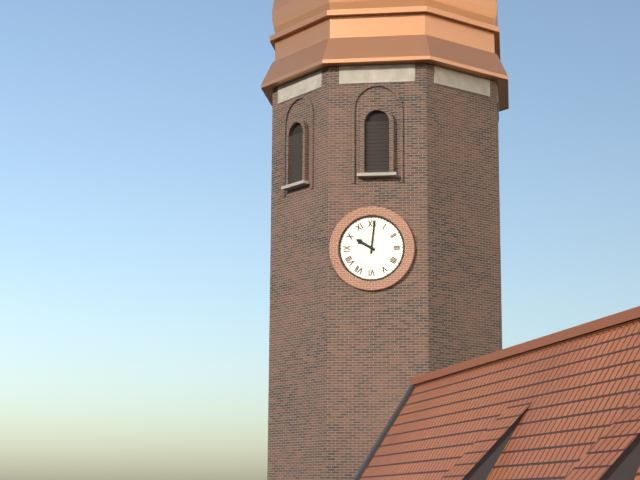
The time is 10:01
